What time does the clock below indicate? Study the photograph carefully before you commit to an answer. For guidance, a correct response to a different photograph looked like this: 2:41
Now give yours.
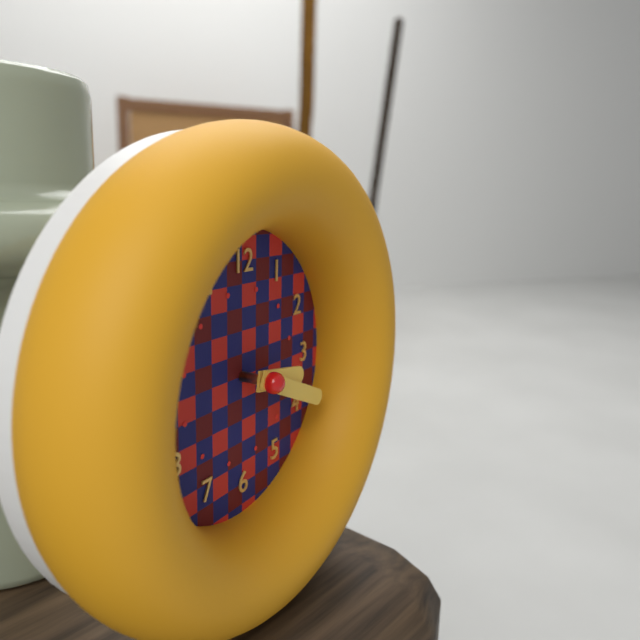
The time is 3:19
